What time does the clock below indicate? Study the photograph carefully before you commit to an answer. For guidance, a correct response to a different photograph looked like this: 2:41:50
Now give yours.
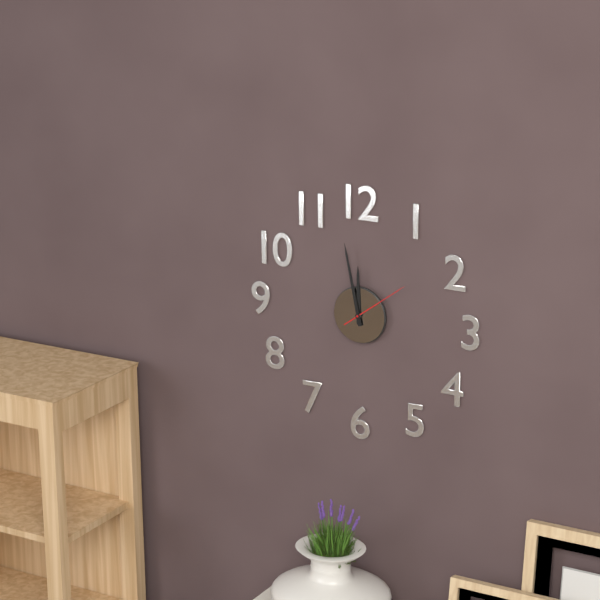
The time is 11:58:09
